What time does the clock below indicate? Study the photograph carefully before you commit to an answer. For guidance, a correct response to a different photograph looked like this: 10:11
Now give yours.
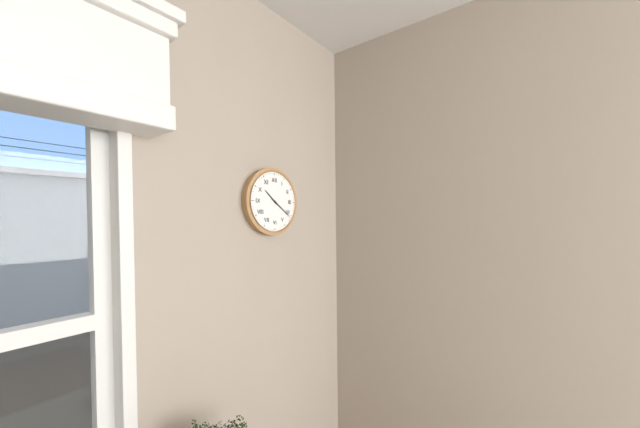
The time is 10:21
